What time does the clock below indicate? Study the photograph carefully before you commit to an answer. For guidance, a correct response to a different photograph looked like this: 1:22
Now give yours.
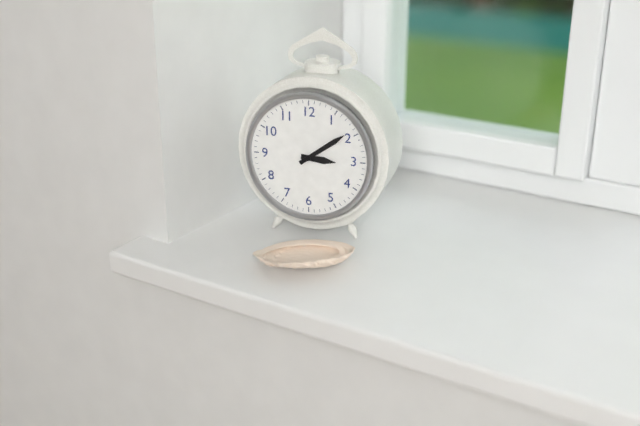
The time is 3:09
